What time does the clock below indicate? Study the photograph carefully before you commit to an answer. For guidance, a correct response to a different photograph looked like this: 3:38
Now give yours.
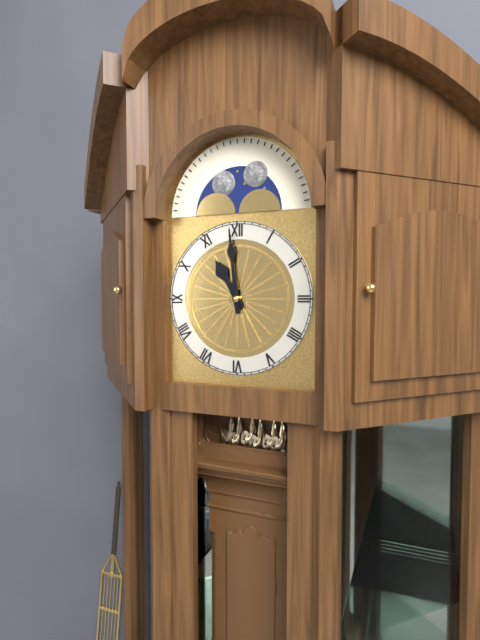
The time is 10:59
